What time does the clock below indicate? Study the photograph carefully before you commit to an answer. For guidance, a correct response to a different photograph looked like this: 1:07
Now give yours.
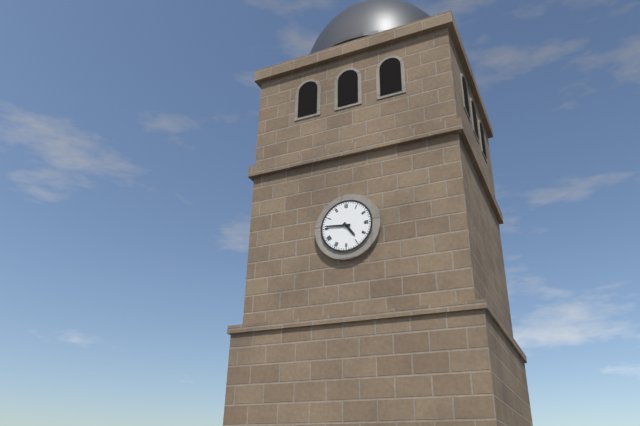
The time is 4:46
